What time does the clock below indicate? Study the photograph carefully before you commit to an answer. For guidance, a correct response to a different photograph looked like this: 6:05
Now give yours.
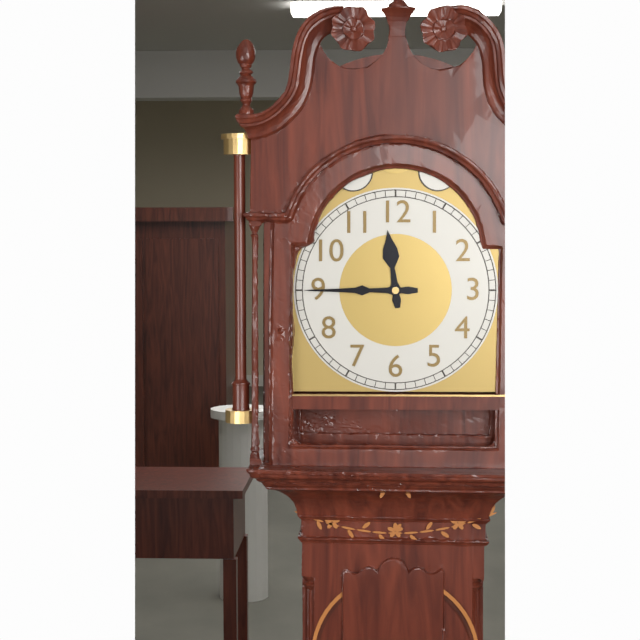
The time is 11:45
